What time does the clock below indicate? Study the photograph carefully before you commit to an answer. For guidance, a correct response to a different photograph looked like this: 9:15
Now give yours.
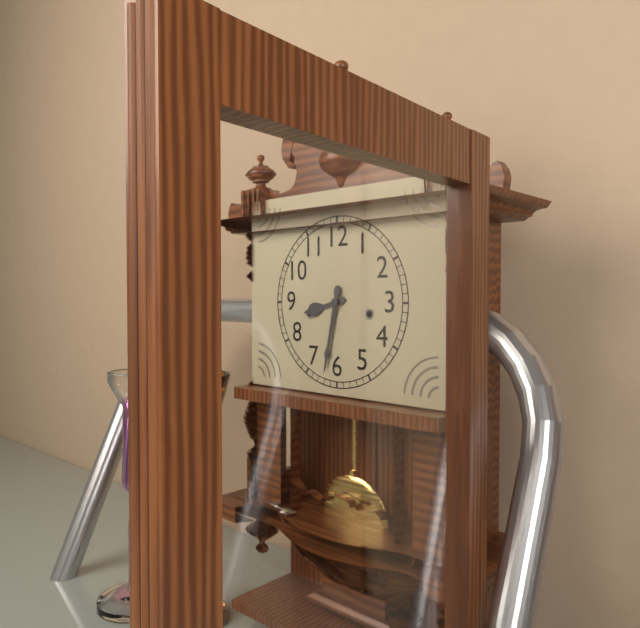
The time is 8:32
